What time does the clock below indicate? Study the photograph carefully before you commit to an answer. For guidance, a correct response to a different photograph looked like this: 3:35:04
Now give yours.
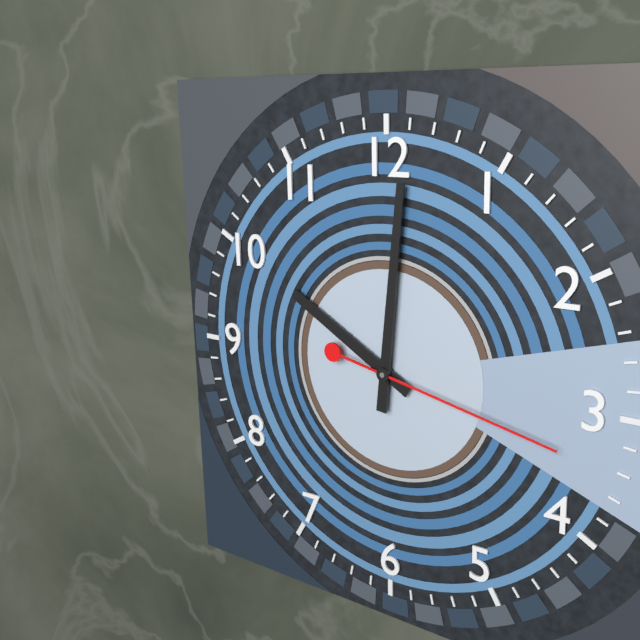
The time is 10:01:17
